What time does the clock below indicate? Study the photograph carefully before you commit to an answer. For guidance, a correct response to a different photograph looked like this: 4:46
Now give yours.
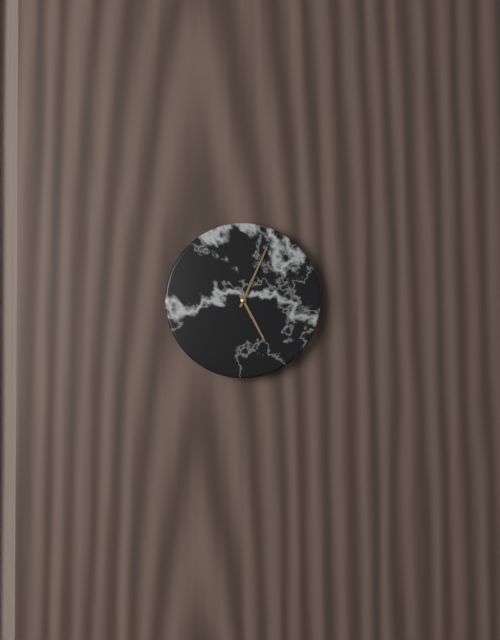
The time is 5:04
